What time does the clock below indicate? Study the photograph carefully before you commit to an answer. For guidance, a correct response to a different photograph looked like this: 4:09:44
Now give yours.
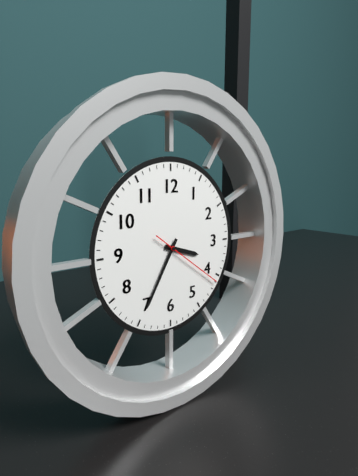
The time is 3:35:21
